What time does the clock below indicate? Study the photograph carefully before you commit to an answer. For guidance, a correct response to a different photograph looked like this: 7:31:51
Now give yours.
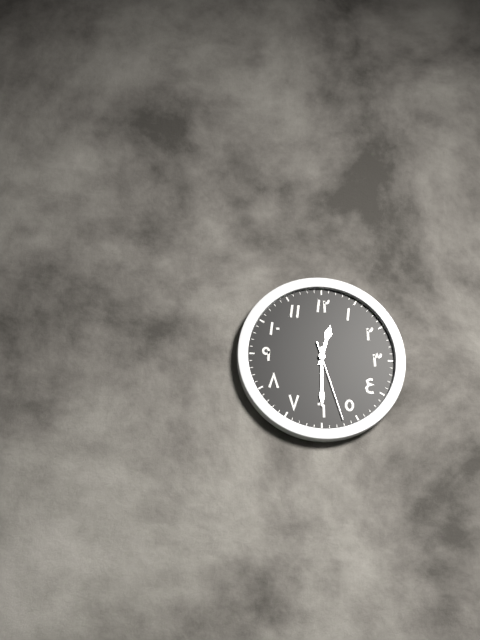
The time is 12:30:27
